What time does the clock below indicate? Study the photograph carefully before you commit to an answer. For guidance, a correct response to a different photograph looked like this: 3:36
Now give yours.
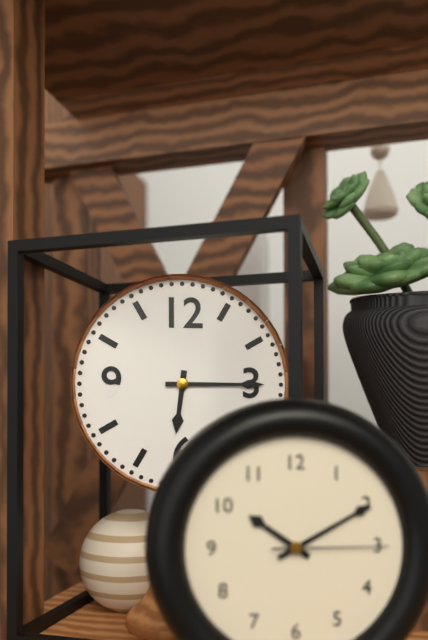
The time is 6:15
